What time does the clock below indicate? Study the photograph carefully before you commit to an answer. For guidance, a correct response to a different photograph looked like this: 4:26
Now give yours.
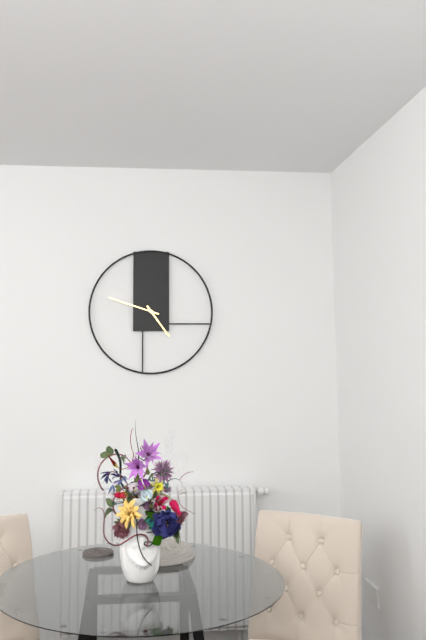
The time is 4:48
